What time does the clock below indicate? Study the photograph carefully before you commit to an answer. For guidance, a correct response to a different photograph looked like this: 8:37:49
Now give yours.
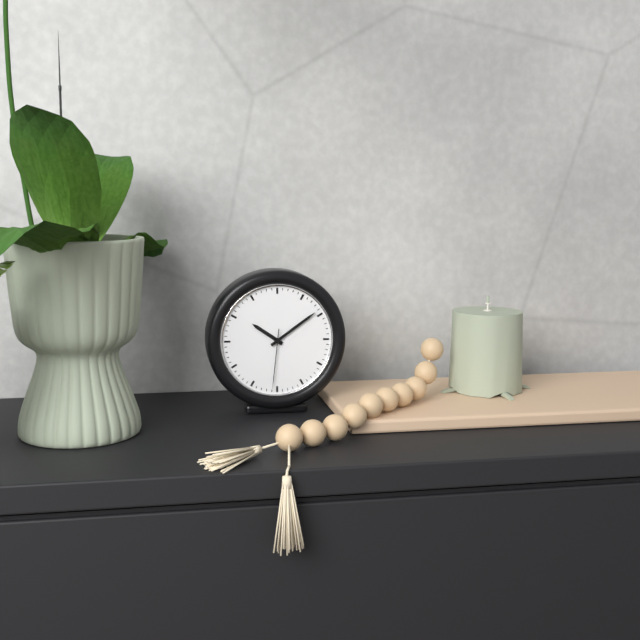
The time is 10:09:31
